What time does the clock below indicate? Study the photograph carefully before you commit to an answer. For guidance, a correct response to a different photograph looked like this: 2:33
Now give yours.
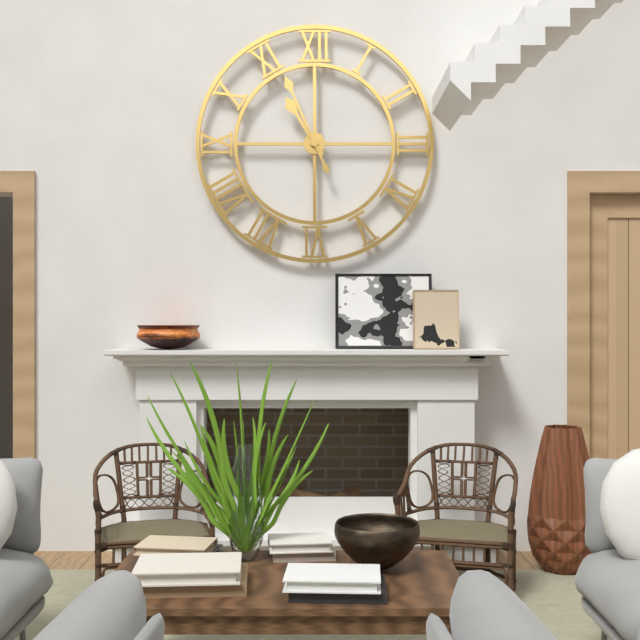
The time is 10:56
